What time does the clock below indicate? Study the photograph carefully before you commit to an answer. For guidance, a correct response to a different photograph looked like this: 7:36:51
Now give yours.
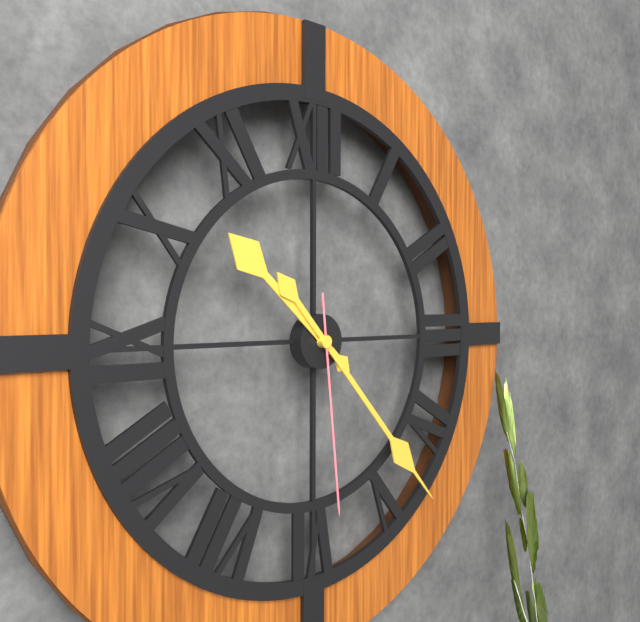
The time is 10:23:29
